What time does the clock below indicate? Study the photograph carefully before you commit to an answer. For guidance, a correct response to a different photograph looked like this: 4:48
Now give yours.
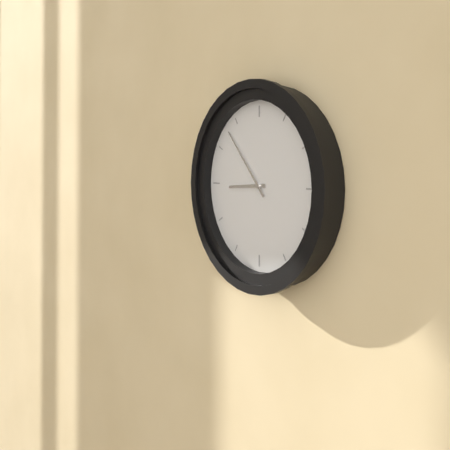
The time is 8:53
